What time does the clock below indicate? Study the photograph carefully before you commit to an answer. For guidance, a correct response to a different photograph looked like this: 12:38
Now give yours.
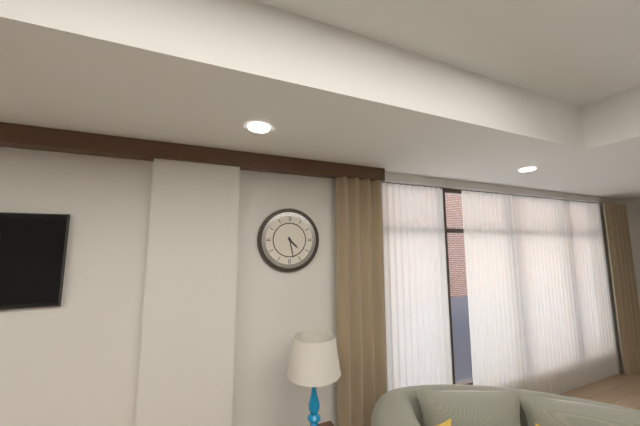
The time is 4:28
